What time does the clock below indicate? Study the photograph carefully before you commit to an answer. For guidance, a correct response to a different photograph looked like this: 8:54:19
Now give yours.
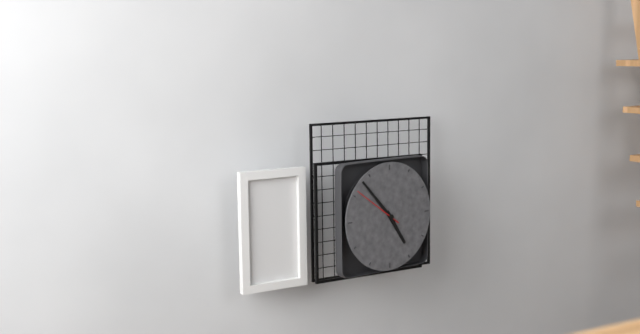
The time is 4:53:51
